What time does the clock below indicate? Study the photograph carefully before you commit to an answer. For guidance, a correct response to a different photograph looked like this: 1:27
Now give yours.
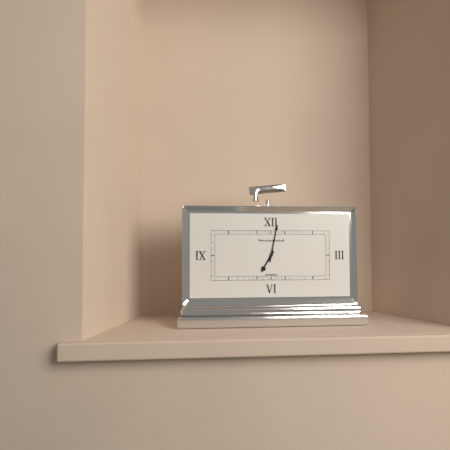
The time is 7:02
